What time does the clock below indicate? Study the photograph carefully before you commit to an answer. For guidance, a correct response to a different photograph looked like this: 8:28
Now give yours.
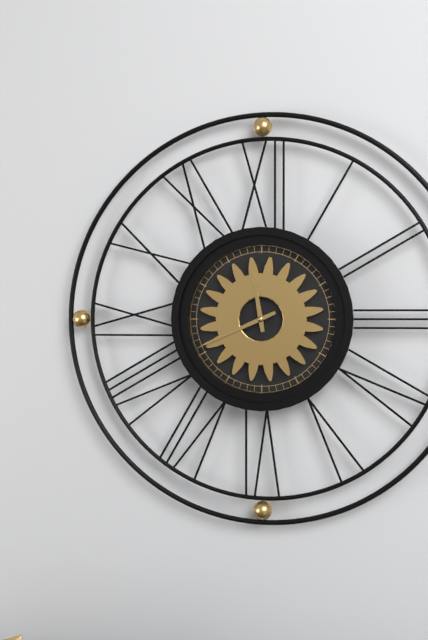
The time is 11:41
